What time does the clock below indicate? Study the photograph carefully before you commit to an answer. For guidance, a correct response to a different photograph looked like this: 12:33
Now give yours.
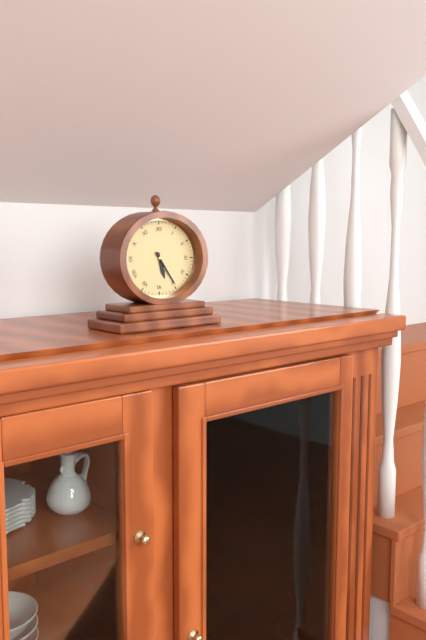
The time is 5:24
